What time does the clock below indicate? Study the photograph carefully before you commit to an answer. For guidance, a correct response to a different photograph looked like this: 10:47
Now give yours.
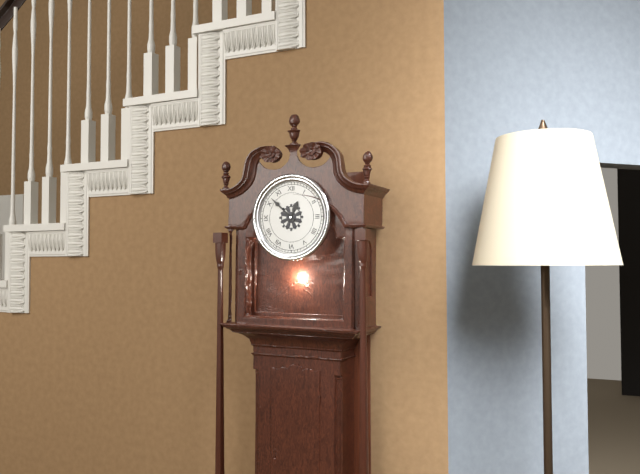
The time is 12:52
